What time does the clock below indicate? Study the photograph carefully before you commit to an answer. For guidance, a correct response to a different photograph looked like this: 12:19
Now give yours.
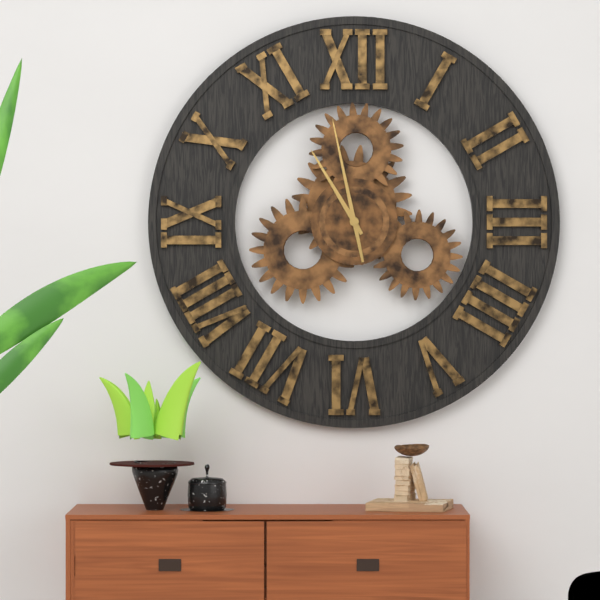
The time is 10:58
